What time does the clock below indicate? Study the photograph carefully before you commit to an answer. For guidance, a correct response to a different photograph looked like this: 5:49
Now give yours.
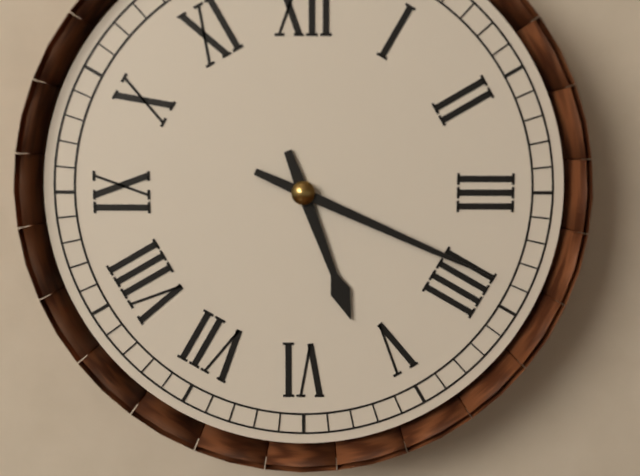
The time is 5:19
